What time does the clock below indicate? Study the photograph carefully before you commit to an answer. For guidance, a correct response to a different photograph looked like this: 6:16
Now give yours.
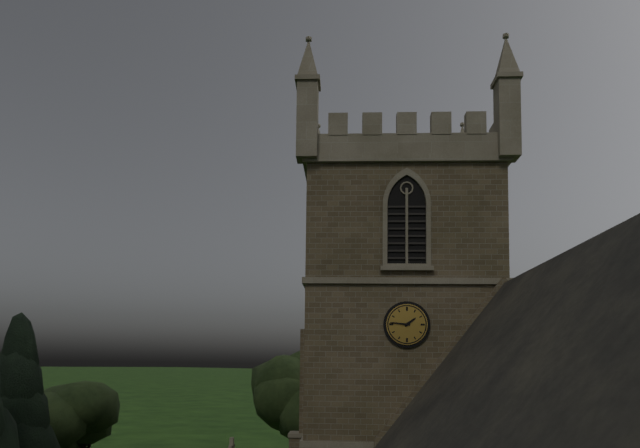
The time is 1:46
